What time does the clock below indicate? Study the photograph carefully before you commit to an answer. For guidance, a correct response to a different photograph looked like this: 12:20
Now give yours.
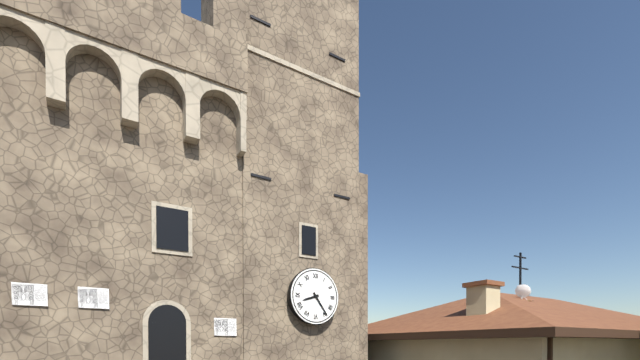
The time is 8:24
